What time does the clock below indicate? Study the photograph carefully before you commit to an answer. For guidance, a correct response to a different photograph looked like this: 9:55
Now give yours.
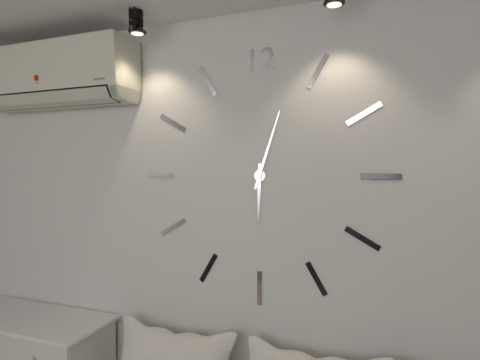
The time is 6:03
